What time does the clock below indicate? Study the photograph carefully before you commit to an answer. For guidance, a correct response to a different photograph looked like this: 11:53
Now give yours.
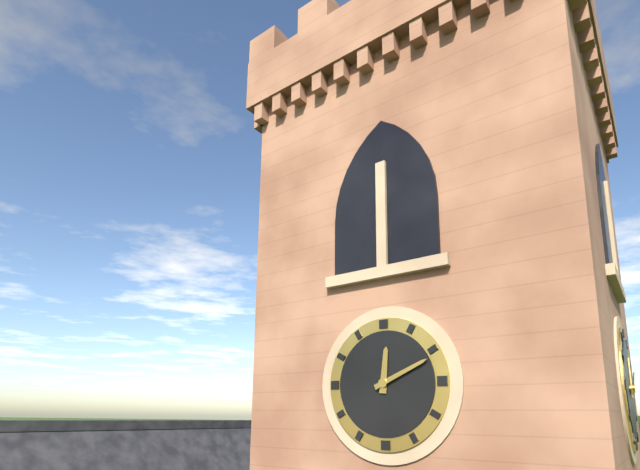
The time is 12:11
